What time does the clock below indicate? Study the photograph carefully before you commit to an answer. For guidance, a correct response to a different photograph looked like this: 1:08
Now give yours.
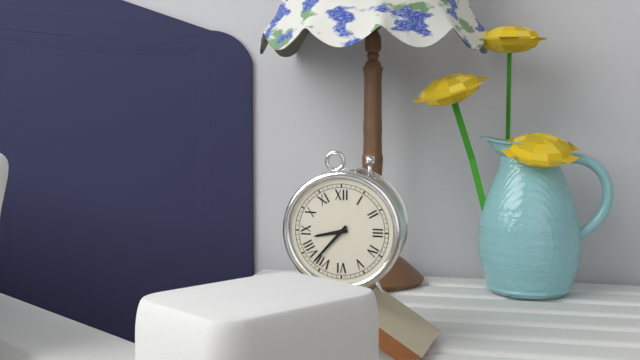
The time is 8:37
